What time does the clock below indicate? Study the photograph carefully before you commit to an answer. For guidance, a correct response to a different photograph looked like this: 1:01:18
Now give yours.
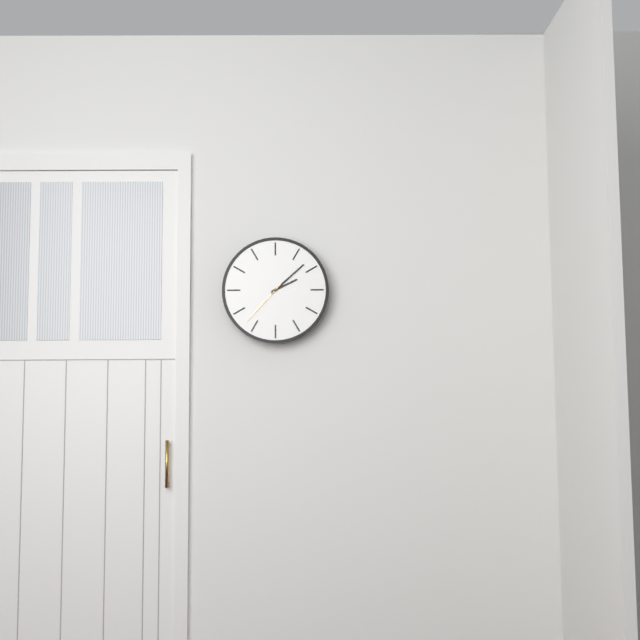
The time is 2:08:37
